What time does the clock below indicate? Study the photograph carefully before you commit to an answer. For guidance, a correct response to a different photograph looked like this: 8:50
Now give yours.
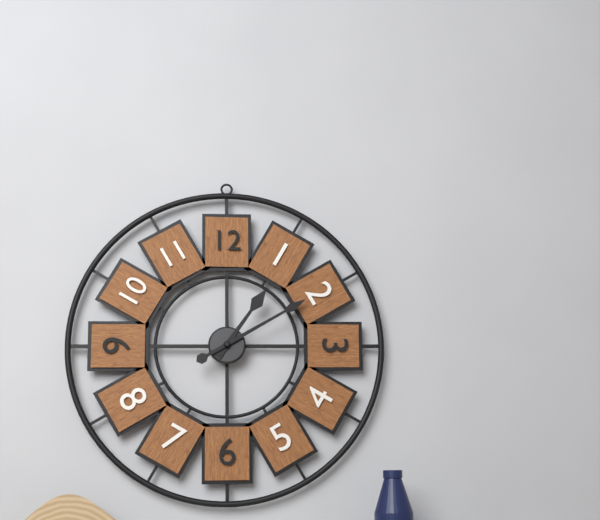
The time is 1:10
